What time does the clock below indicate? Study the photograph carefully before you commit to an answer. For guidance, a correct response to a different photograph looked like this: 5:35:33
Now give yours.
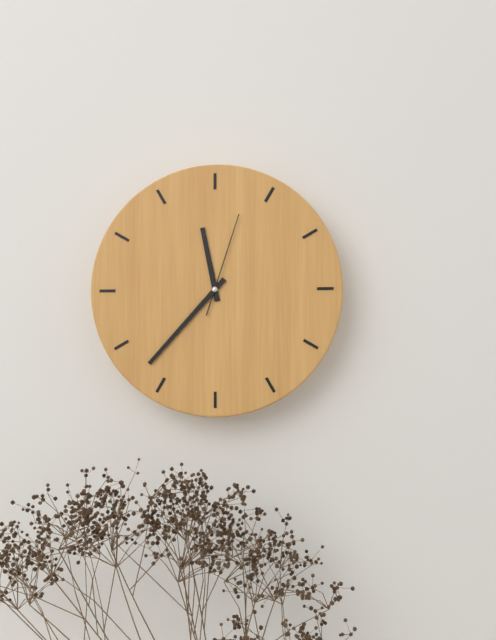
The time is 11:37:03
